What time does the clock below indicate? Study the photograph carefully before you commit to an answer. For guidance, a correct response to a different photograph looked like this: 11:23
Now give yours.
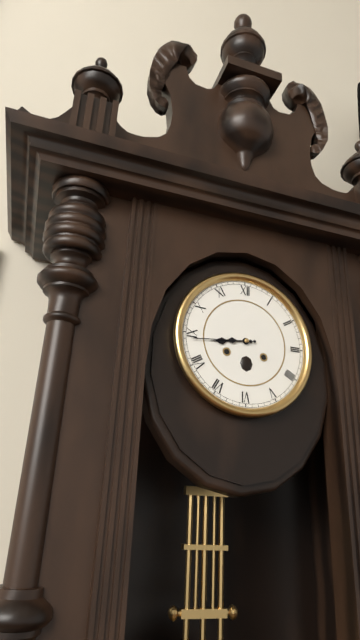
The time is 8:44
